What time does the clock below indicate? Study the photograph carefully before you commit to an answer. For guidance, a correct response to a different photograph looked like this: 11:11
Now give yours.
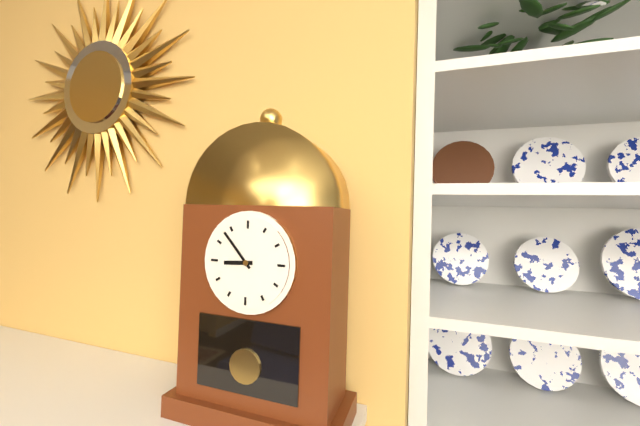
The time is 8:53
